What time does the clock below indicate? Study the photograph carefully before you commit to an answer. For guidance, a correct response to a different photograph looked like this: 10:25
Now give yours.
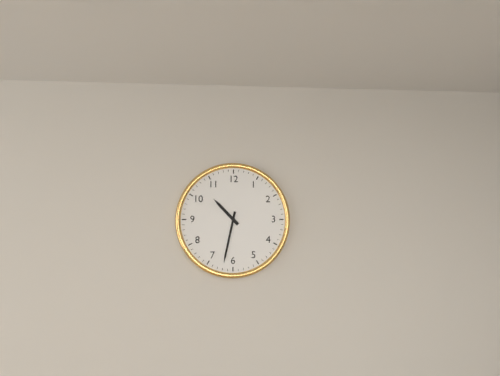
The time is 10:32
